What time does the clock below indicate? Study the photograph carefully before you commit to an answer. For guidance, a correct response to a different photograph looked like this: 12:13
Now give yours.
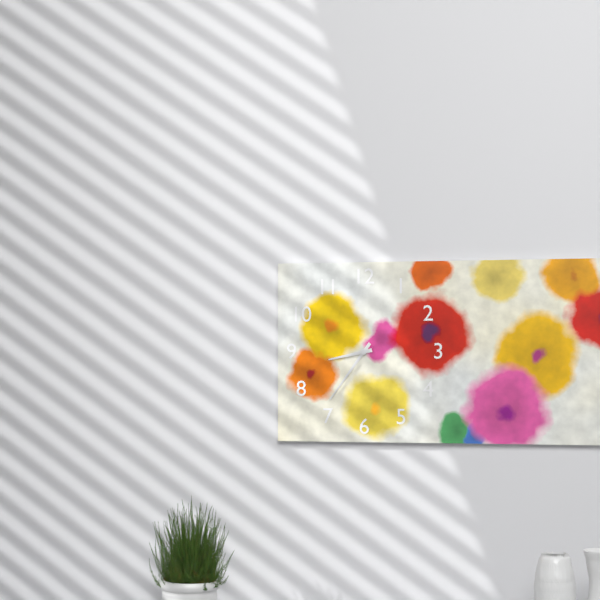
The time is 8:36
